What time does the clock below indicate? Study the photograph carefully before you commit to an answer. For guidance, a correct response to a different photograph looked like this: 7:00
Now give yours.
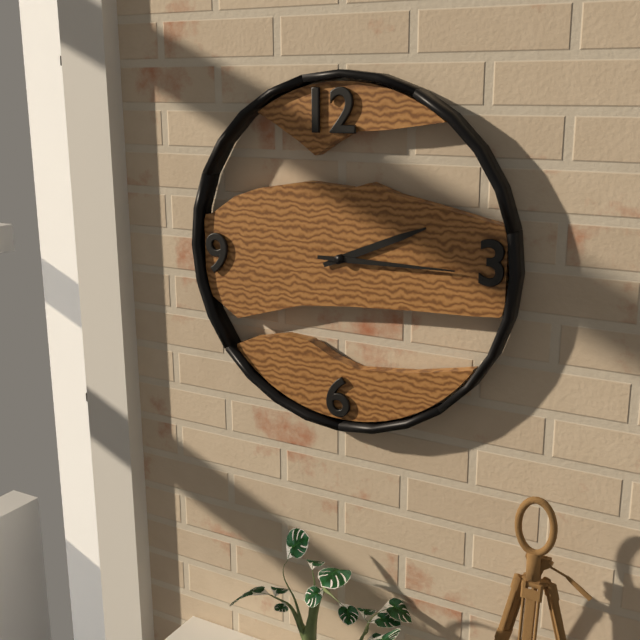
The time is 2:15
